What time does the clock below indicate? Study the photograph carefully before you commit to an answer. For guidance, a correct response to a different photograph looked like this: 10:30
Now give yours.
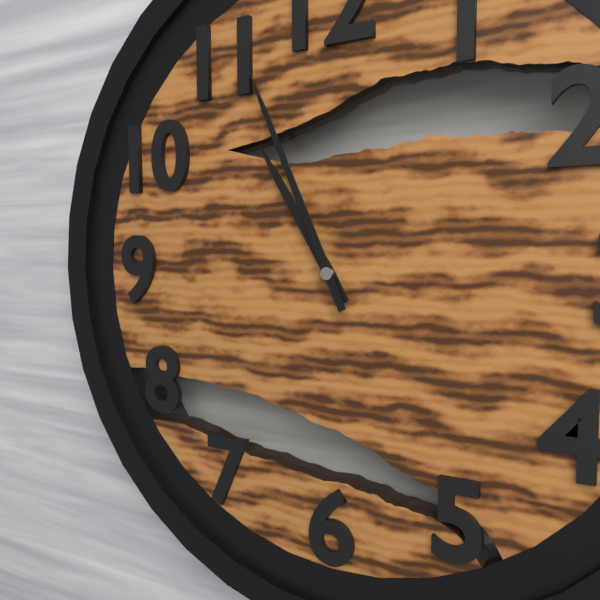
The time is 10:56
